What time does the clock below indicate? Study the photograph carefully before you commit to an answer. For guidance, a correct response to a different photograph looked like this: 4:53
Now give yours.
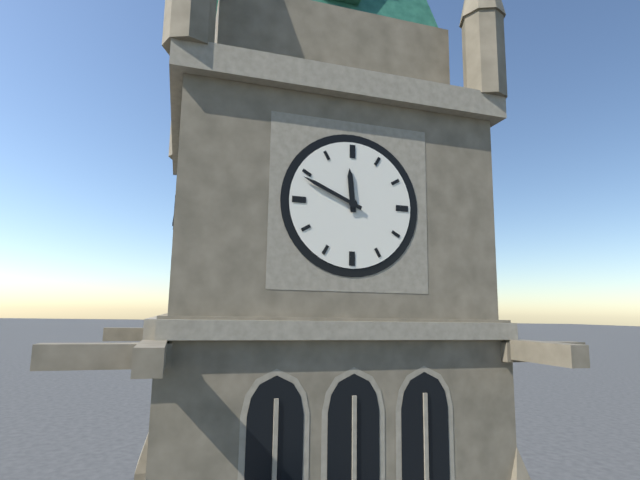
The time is 11:49
